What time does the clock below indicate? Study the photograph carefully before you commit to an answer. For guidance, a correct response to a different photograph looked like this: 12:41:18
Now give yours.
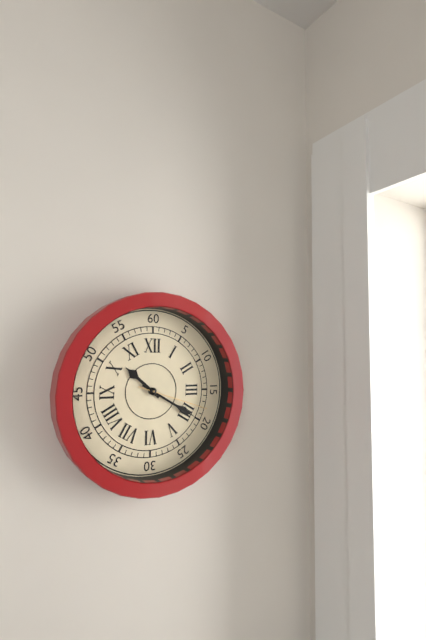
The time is 10:20:18
